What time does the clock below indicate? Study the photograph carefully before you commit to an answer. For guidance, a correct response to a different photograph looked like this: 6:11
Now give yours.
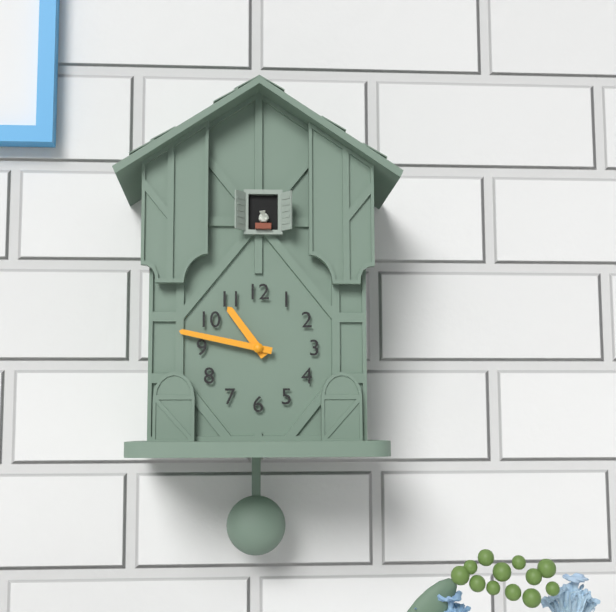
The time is 10:47
